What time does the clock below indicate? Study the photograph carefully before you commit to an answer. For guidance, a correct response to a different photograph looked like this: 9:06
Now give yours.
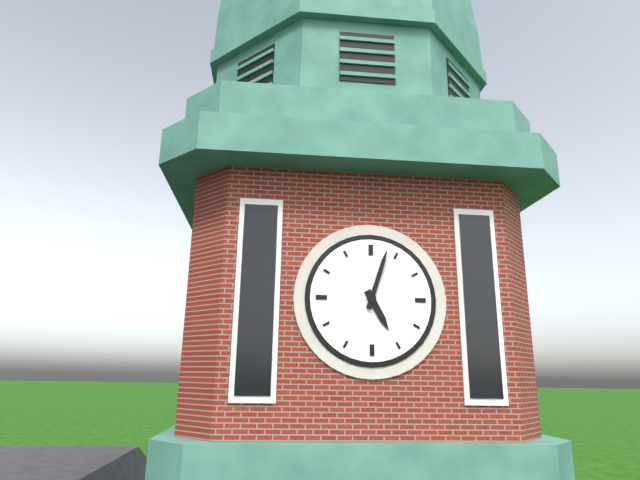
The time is 5:03
